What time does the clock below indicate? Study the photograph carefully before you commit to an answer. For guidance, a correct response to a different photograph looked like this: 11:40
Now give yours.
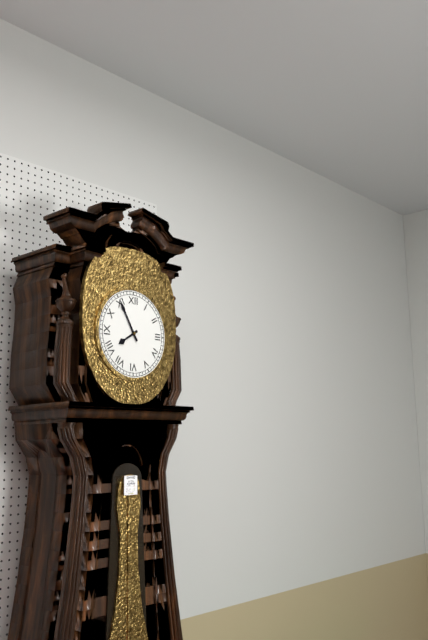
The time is 7:55
